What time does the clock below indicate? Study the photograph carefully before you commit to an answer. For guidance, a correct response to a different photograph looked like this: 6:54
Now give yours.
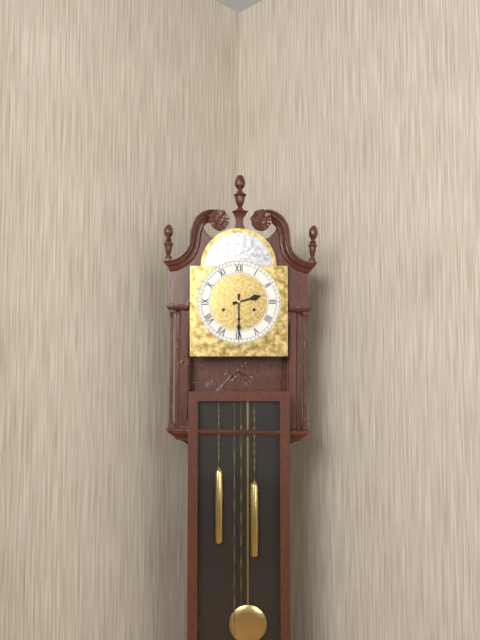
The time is 2:30
